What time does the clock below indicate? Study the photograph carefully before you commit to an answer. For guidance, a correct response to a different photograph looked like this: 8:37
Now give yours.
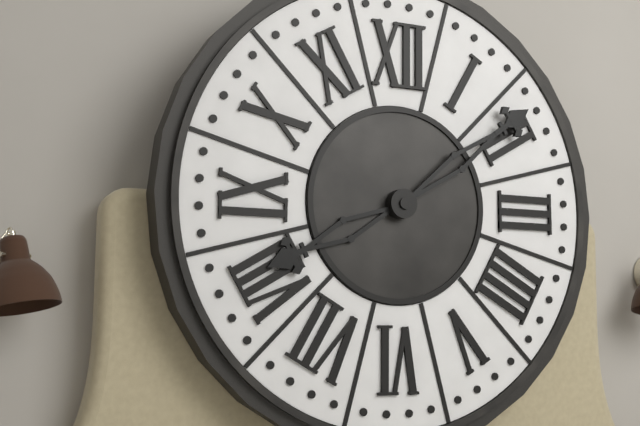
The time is 8:09
